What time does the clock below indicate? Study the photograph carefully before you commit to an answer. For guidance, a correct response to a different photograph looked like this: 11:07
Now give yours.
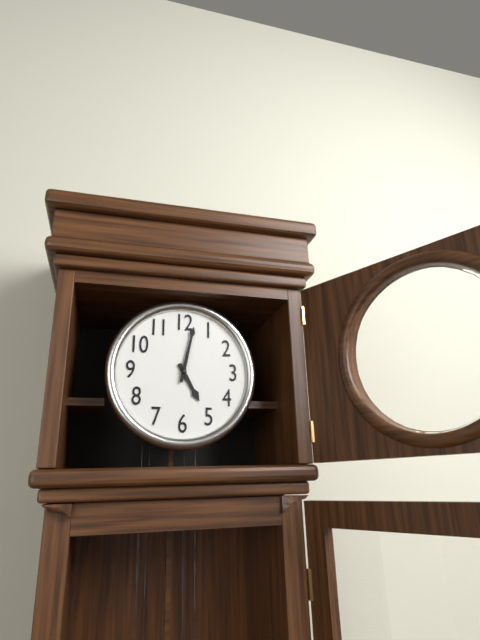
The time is 5:02
